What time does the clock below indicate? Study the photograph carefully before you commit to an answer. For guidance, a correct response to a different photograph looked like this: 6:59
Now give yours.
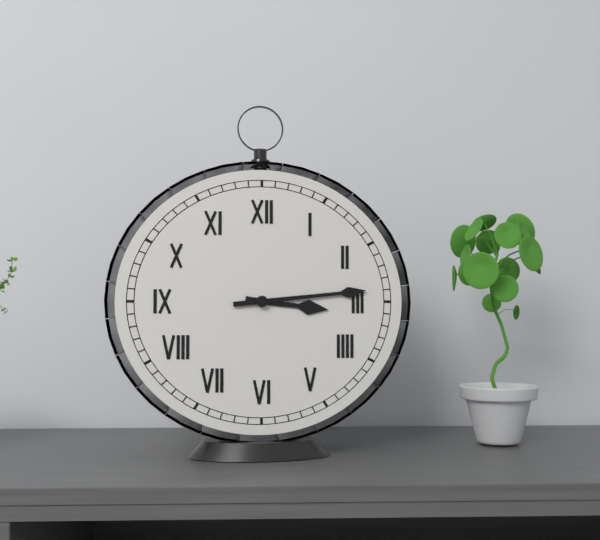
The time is 3:14
